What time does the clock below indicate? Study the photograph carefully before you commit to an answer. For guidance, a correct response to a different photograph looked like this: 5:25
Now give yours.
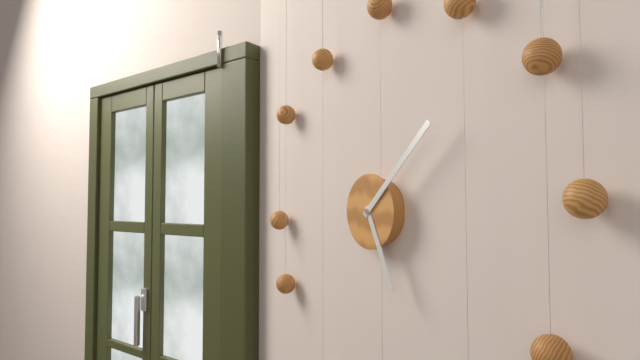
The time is 5:08
